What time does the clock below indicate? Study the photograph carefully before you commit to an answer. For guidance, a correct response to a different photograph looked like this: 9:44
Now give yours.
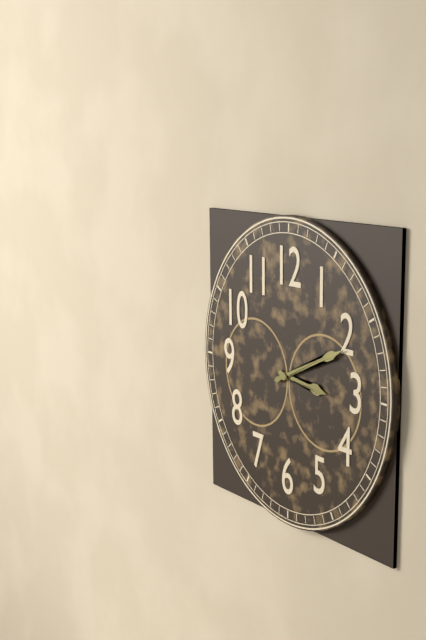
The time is 3:11
